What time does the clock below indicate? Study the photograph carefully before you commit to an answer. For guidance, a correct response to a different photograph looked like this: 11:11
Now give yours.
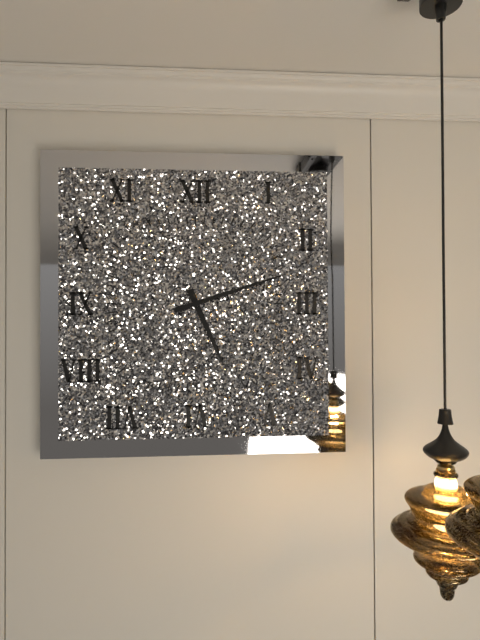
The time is 5:12
